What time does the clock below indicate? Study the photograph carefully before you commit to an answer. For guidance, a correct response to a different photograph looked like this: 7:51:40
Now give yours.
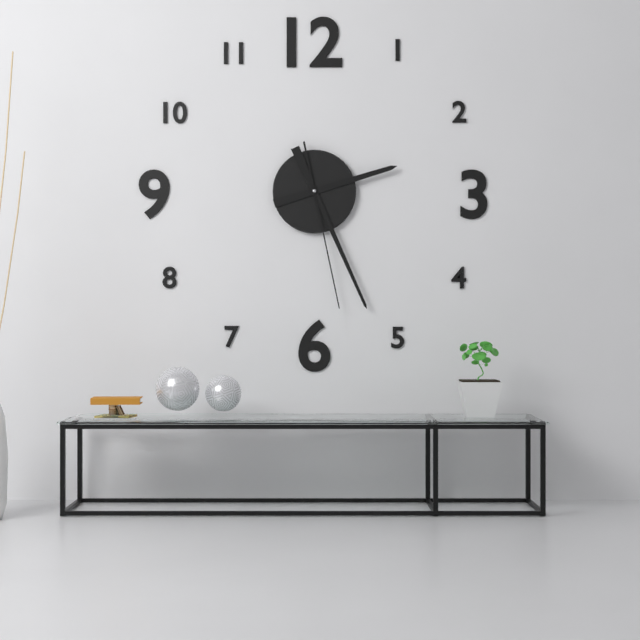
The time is 2:26:28
